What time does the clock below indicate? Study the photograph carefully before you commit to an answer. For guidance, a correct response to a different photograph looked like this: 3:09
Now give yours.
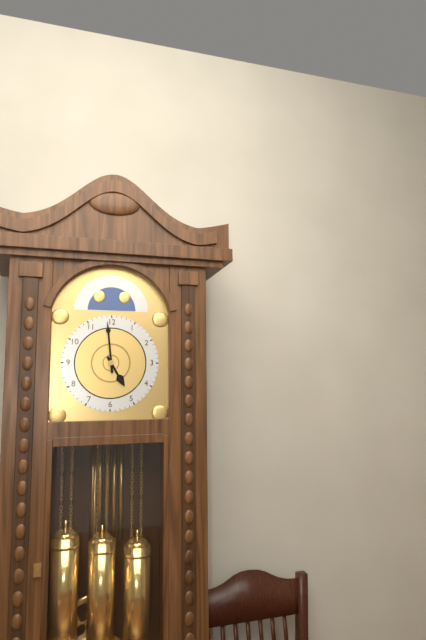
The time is 4:59
